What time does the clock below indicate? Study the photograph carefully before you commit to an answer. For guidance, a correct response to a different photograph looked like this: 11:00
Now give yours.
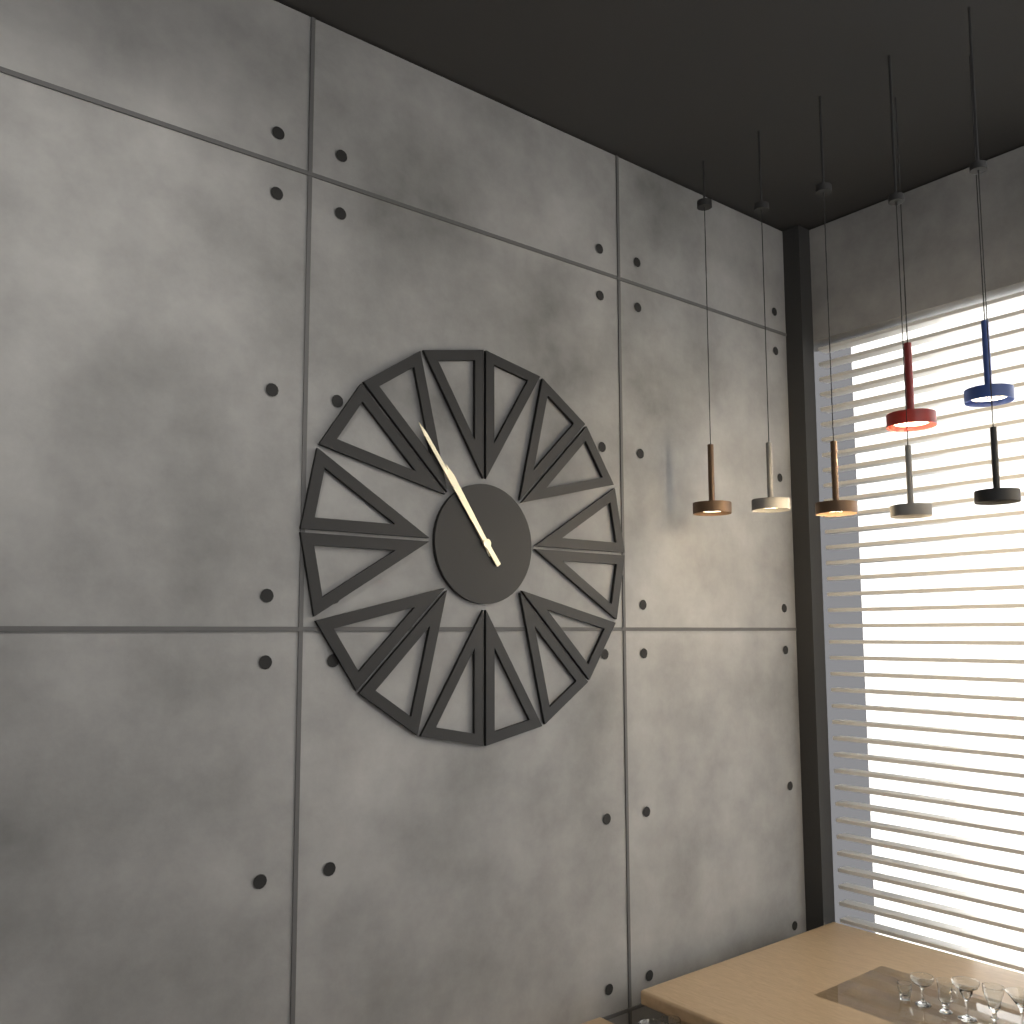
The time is 10:54
